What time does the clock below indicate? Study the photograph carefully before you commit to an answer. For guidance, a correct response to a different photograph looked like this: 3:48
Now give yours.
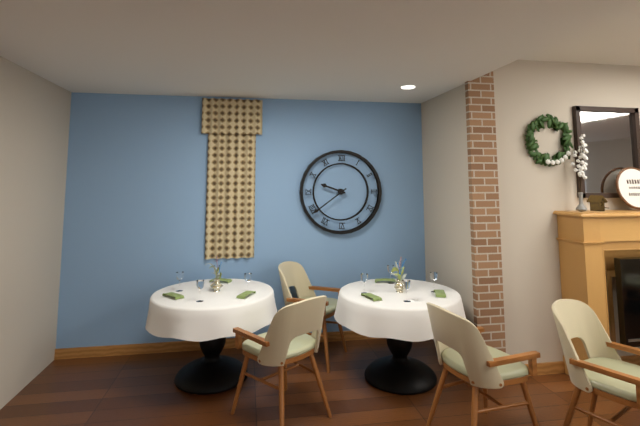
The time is 9:39
